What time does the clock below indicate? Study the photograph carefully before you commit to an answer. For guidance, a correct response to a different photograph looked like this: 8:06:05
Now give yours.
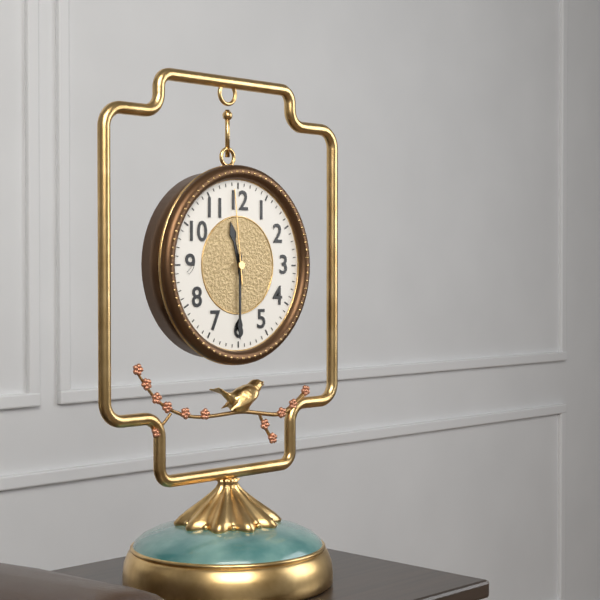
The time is 11:30:59
